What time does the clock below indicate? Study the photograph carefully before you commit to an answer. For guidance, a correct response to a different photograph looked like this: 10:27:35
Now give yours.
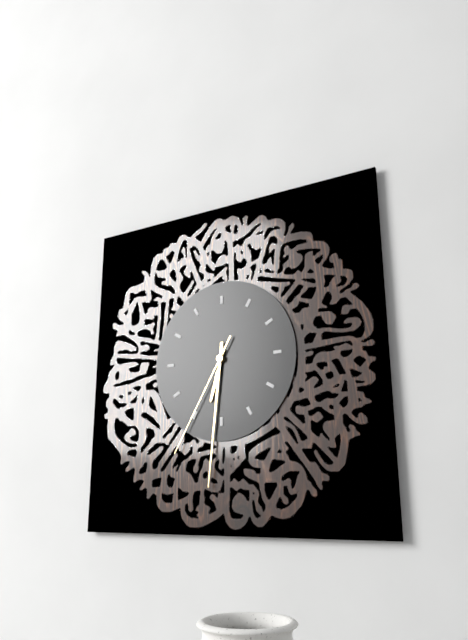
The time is 6:31:35
